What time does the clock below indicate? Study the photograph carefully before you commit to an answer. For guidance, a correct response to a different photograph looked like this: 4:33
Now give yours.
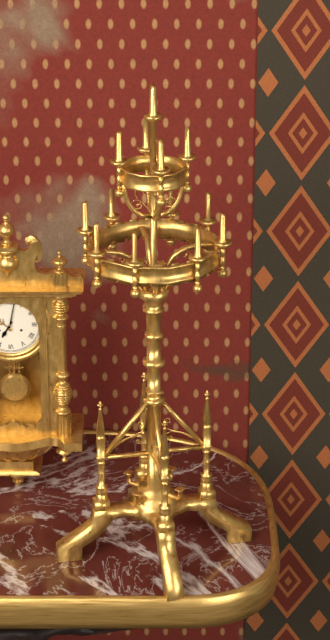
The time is 7:02
